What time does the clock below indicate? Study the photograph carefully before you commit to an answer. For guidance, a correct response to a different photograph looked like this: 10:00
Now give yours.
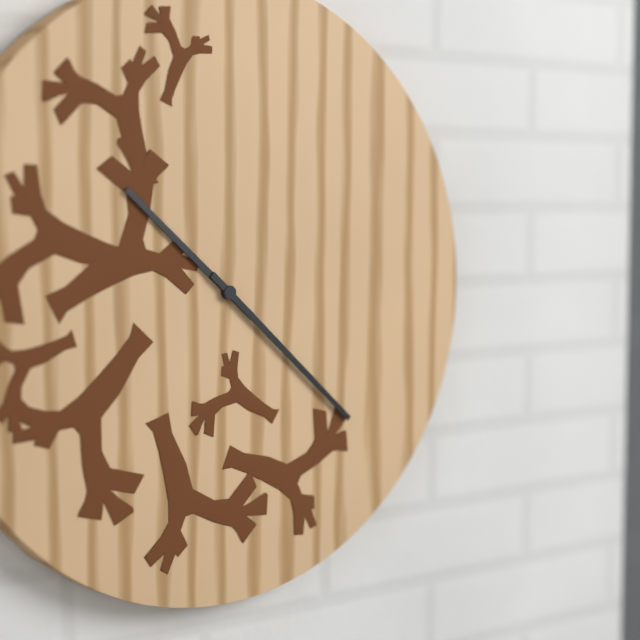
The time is 10:22
